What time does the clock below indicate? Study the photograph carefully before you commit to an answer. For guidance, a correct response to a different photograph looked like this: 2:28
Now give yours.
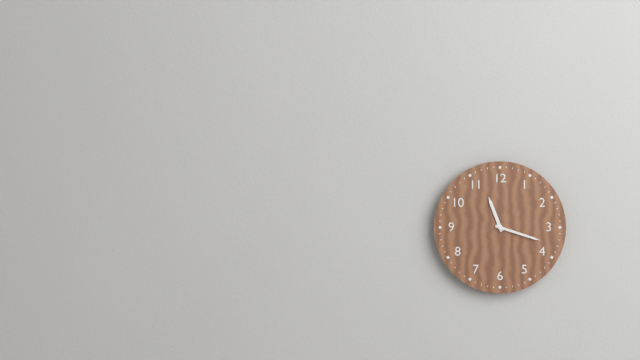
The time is 11:18
